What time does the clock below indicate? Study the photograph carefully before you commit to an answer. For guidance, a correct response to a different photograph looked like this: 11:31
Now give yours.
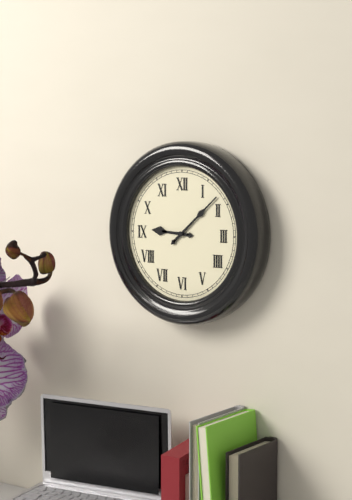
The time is 9:08
